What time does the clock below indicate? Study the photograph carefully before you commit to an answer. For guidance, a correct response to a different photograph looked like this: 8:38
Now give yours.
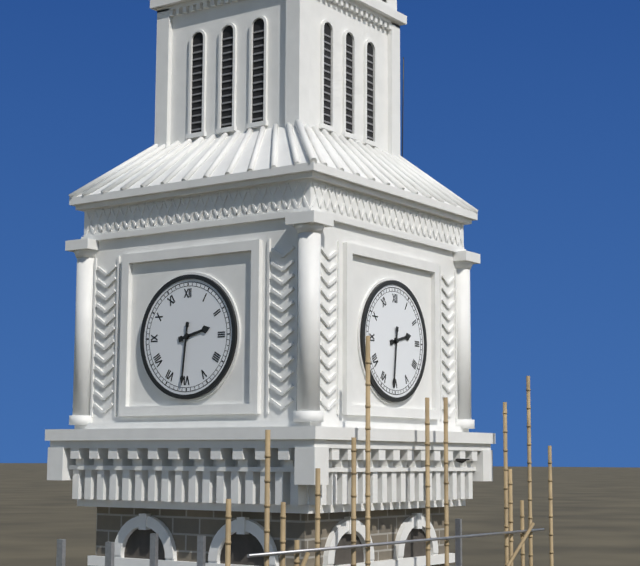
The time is 2:31
